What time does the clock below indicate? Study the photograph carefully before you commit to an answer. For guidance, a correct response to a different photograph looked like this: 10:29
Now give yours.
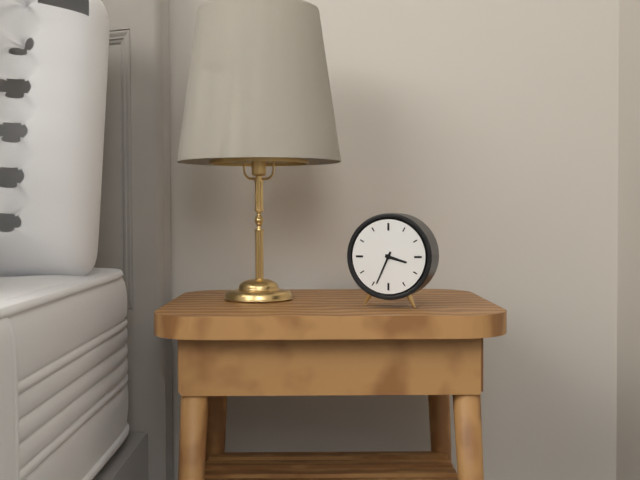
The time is 3:34
